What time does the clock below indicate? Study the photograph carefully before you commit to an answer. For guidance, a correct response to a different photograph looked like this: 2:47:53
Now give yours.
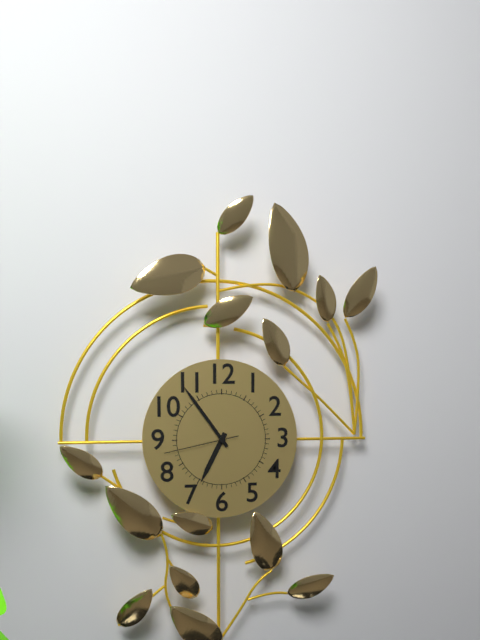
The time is 6:54:43
